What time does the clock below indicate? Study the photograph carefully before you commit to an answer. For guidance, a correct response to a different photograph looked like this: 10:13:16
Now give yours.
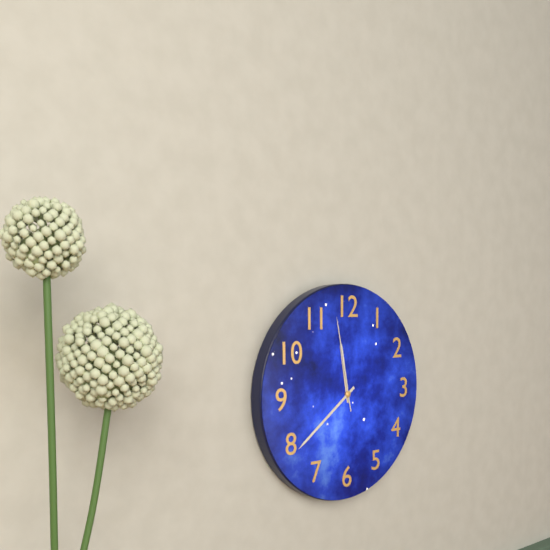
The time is 11:39:58
